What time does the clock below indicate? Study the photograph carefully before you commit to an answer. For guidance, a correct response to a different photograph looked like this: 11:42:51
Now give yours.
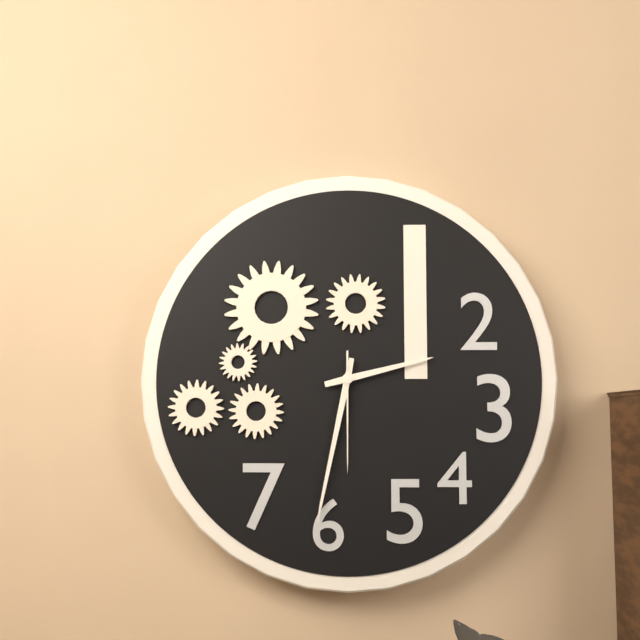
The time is 2:32:30
